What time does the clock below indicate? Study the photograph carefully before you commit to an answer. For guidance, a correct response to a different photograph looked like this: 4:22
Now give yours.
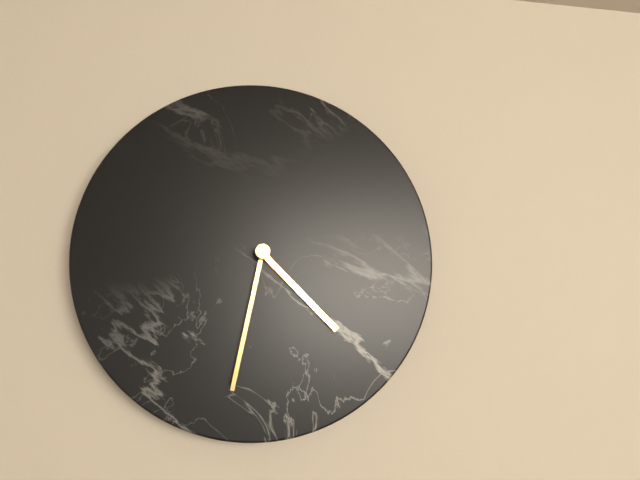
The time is 4:32
